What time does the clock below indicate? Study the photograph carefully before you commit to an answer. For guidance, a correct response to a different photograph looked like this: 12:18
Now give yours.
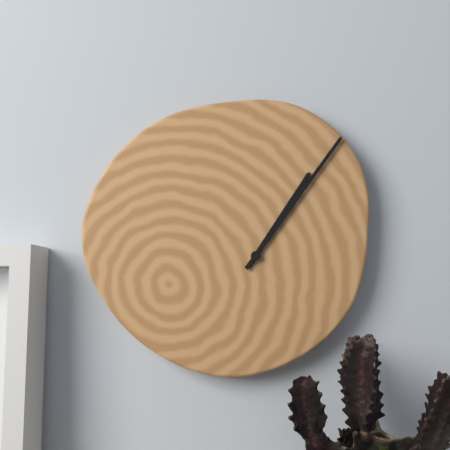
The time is 1:06
